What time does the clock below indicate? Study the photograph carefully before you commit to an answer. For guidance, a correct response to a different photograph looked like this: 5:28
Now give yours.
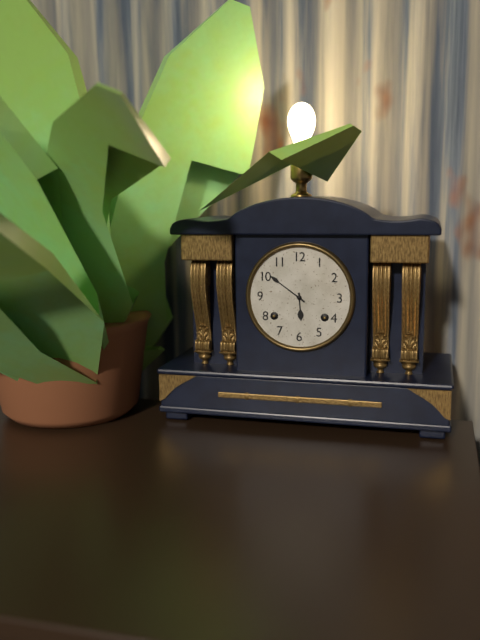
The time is 5:51
